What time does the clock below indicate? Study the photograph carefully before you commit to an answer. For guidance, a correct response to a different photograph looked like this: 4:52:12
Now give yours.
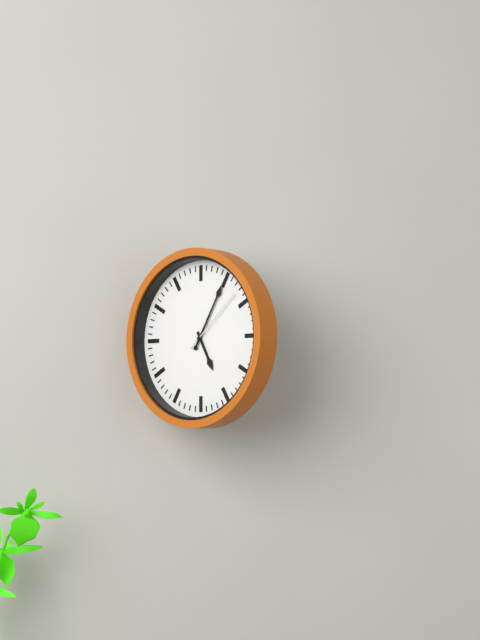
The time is 5:05:08
